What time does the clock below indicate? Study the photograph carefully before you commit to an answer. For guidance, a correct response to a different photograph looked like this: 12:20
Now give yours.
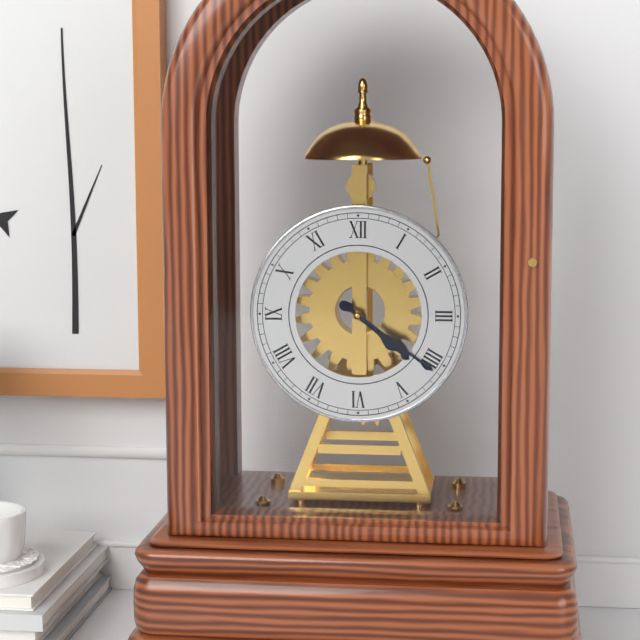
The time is 4:21
